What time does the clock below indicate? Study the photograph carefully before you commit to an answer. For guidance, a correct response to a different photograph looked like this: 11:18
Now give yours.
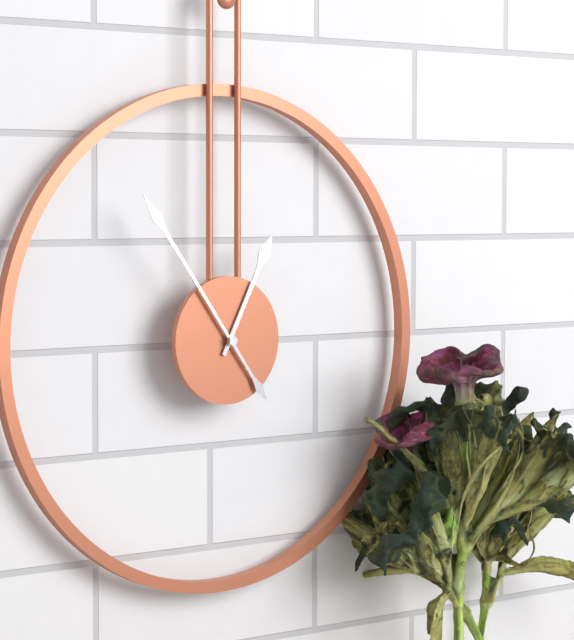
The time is 12:54
